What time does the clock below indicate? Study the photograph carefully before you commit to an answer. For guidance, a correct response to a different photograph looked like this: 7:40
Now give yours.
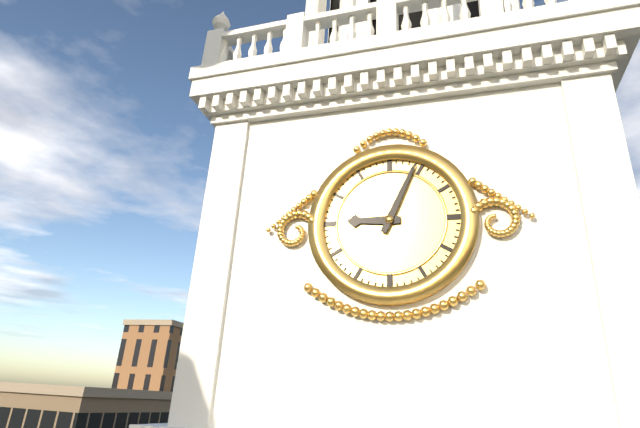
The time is 9:04
